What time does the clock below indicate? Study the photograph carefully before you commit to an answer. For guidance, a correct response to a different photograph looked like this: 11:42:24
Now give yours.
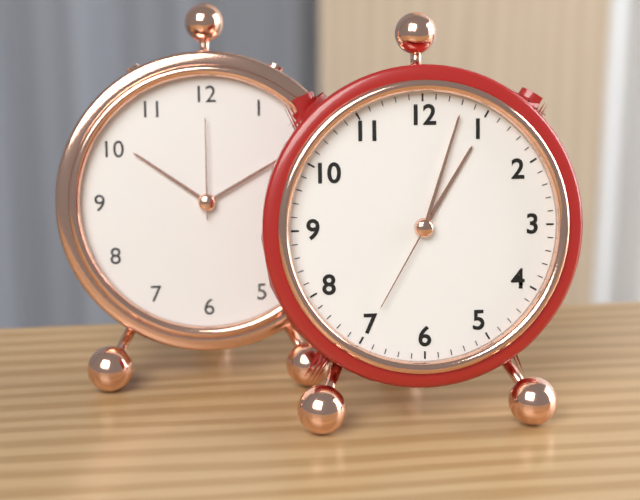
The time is 1:03:35
